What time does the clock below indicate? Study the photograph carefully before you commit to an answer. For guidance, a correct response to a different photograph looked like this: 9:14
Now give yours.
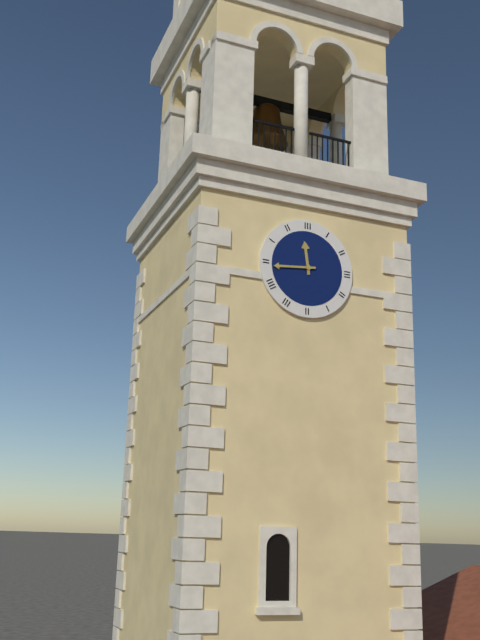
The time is 11:44
